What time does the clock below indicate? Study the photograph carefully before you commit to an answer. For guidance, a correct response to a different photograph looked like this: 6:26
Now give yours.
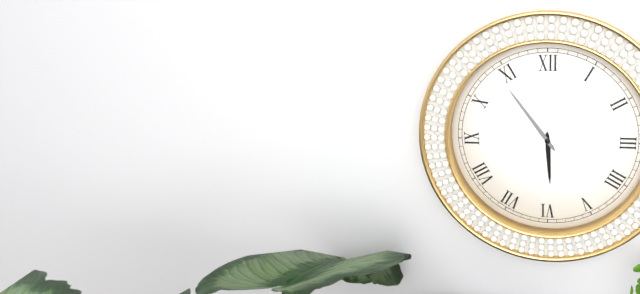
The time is 5:54
